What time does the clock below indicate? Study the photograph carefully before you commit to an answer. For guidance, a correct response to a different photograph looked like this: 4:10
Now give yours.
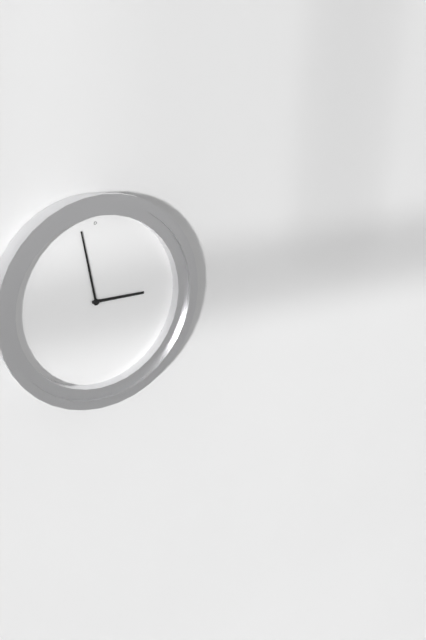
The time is 2:58
